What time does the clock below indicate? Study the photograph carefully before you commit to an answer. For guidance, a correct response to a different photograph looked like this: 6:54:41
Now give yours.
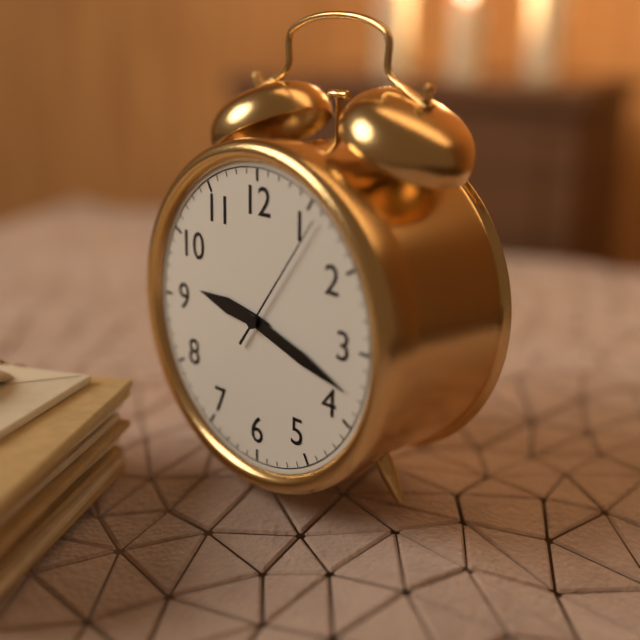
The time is 9:18:06
